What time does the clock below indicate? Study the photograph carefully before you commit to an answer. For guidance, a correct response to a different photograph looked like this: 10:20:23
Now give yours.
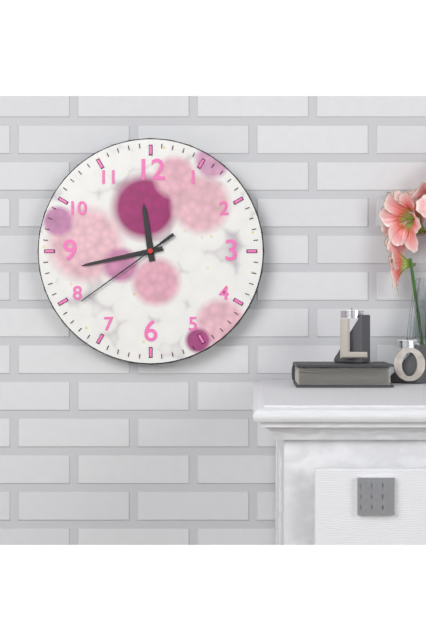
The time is 11:43:39
